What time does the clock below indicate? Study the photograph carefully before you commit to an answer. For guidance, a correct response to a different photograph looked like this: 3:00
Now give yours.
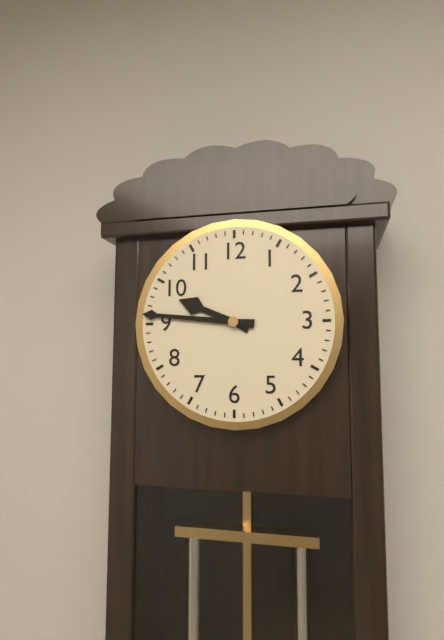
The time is 9:46
